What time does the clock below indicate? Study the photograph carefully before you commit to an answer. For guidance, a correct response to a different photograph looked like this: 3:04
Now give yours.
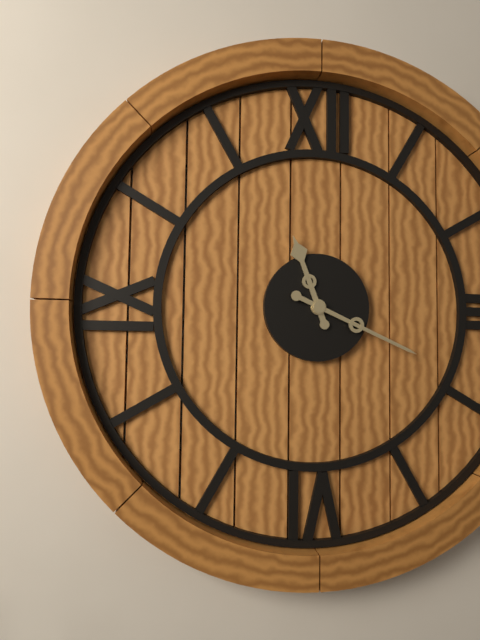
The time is 11:19
